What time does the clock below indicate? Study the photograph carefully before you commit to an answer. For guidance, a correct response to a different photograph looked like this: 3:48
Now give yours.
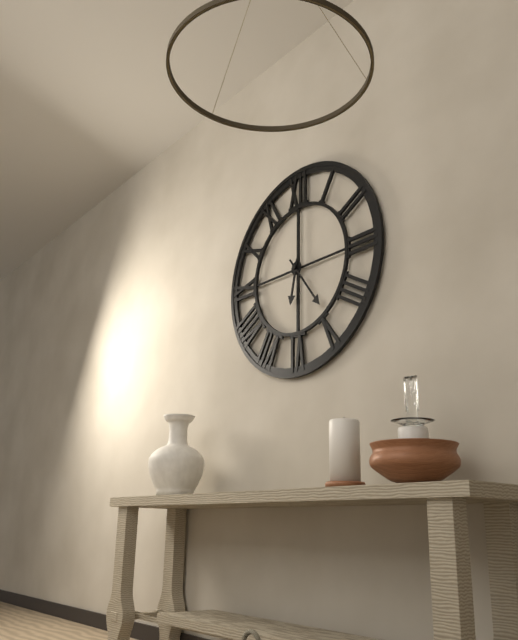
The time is 6:24
